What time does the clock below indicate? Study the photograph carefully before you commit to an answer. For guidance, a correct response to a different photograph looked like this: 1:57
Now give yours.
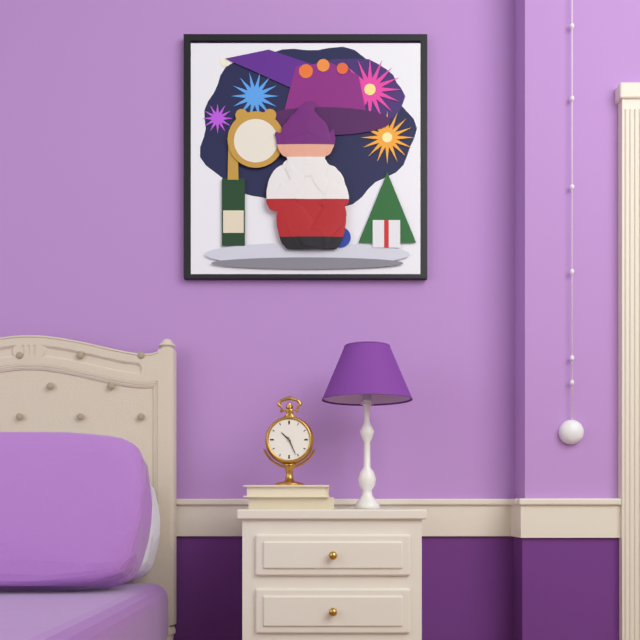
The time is 10:26
